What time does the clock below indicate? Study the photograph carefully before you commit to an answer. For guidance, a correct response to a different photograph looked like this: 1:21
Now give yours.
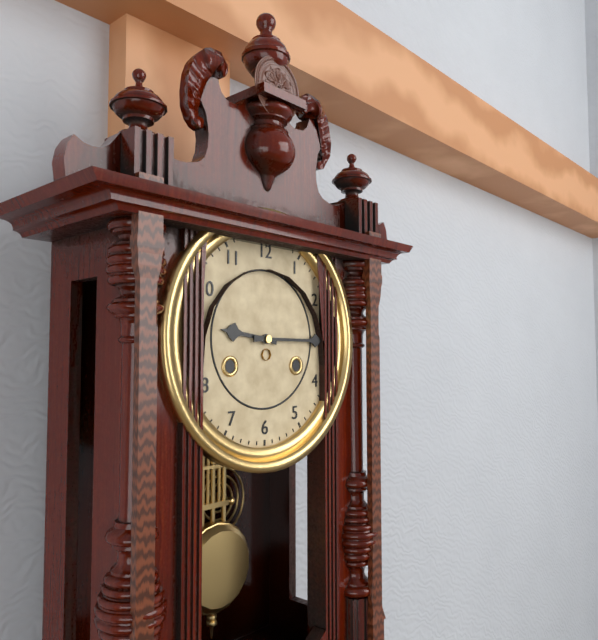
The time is 9:15
